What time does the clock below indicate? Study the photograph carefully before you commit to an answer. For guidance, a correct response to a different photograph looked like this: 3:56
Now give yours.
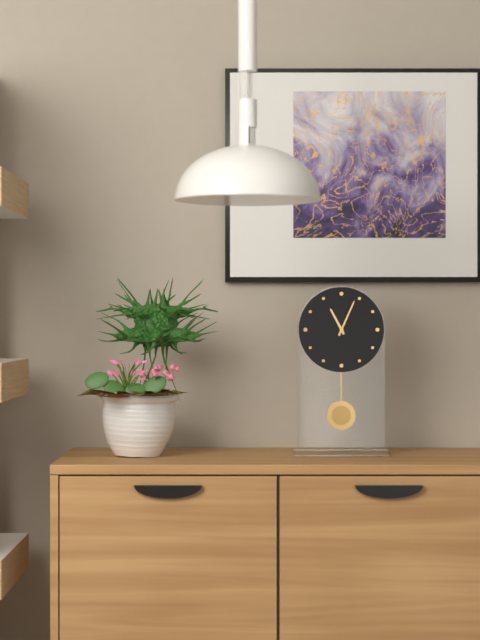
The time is 11:04
